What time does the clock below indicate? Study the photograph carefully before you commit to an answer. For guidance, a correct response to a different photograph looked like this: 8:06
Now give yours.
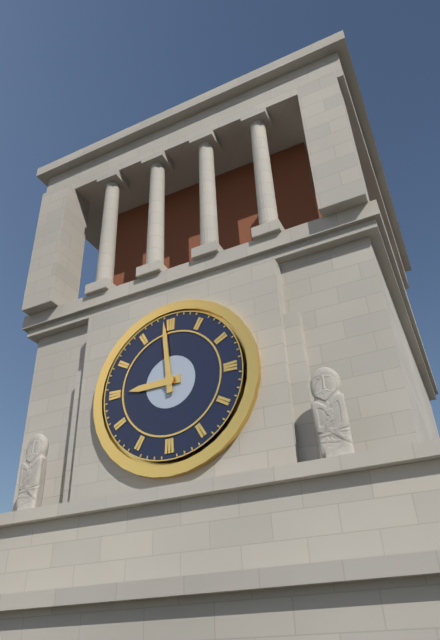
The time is 8:59
